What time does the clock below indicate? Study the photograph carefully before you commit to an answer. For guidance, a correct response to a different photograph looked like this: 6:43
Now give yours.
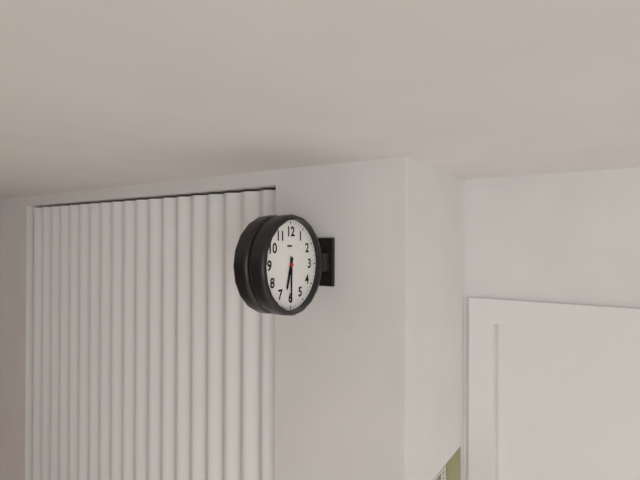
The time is 6:30
